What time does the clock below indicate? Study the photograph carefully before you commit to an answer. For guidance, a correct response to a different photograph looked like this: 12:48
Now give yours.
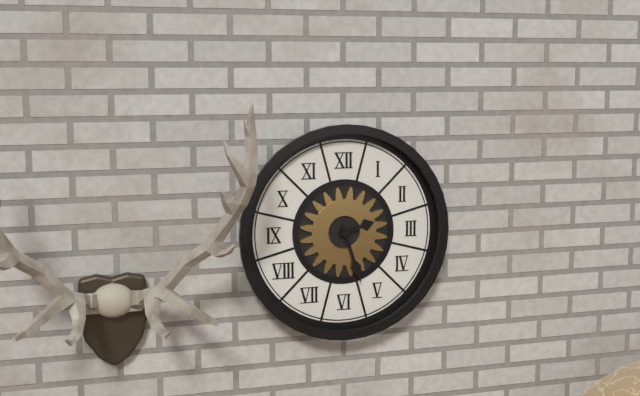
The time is 2:27
